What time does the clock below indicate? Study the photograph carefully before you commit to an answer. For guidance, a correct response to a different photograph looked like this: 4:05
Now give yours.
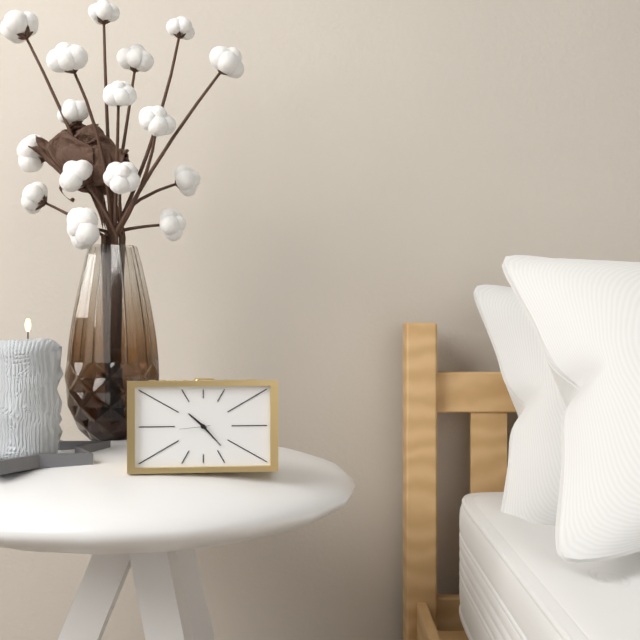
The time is 10:23
